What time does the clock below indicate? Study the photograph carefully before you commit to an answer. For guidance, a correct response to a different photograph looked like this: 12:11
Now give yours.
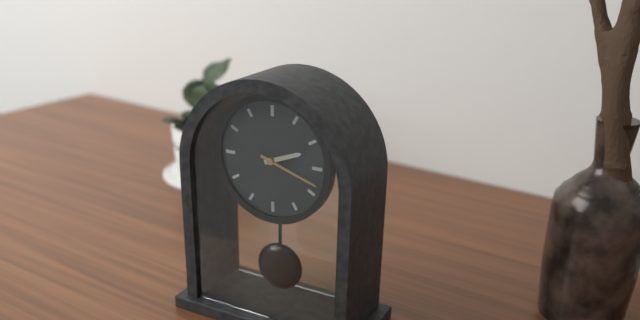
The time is 2:18
